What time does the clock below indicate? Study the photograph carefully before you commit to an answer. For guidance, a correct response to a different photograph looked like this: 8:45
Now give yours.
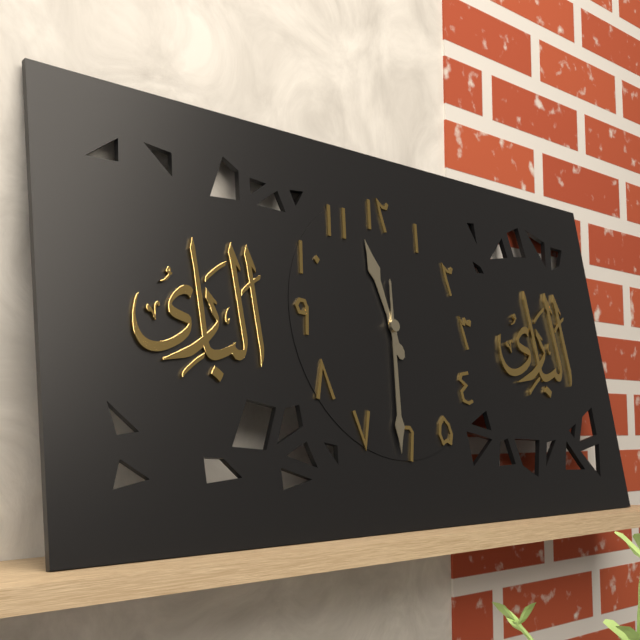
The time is 11:31
